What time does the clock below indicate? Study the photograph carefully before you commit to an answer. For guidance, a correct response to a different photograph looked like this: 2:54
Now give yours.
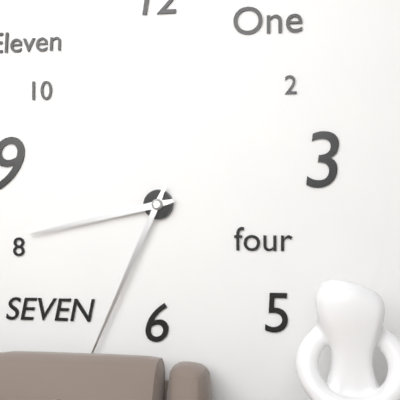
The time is 8:34
